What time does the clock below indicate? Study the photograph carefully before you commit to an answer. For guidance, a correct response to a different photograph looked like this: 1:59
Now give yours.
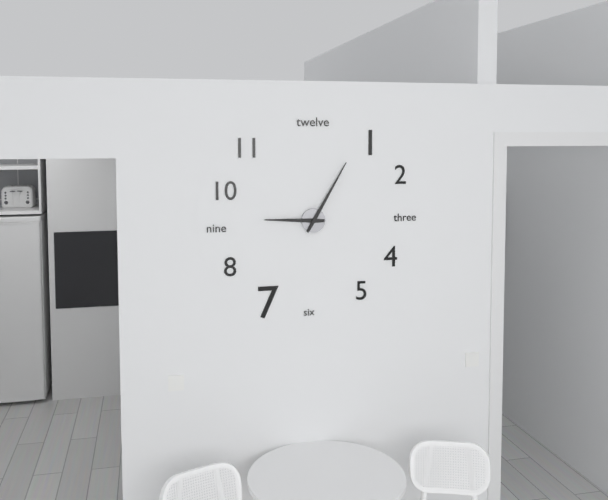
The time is 9:05
